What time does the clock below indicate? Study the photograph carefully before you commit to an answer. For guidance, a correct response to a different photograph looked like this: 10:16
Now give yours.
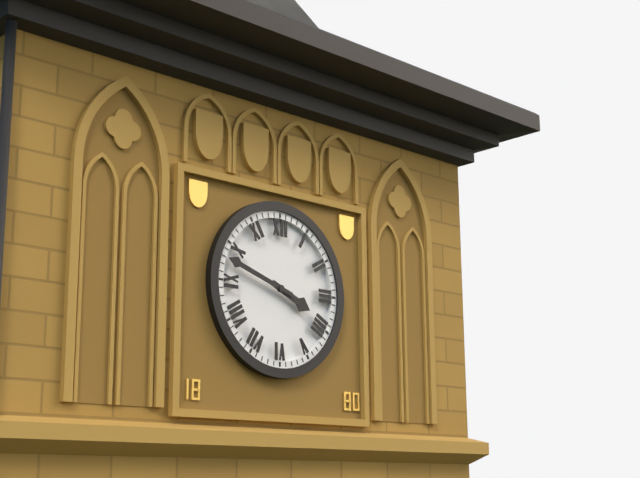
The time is 3:48
